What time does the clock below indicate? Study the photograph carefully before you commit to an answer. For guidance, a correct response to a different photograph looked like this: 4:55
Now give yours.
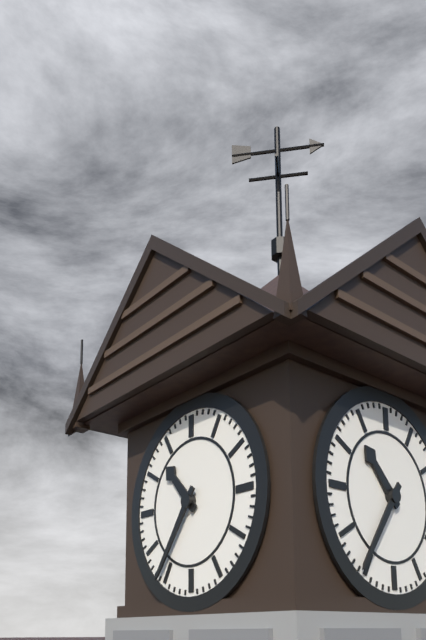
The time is 10:36
